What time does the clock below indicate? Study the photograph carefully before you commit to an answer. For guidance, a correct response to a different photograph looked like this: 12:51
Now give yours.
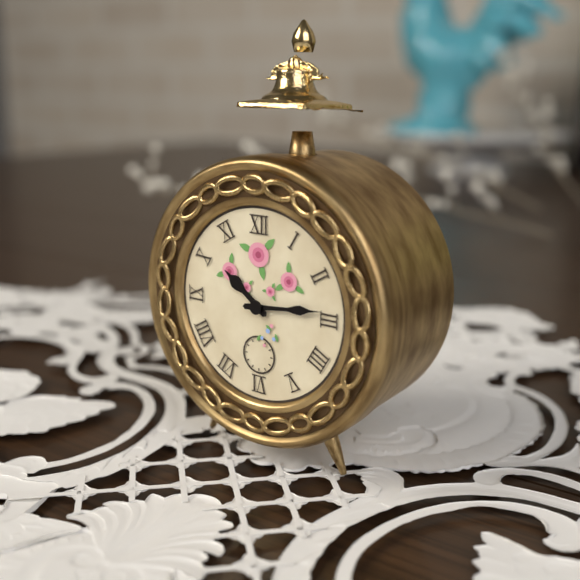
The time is 10:14
